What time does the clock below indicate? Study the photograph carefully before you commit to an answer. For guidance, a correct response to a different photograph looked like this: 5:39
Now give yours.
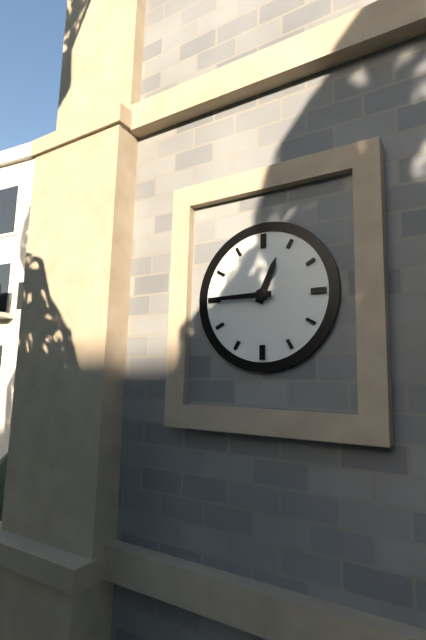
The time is 12:45
